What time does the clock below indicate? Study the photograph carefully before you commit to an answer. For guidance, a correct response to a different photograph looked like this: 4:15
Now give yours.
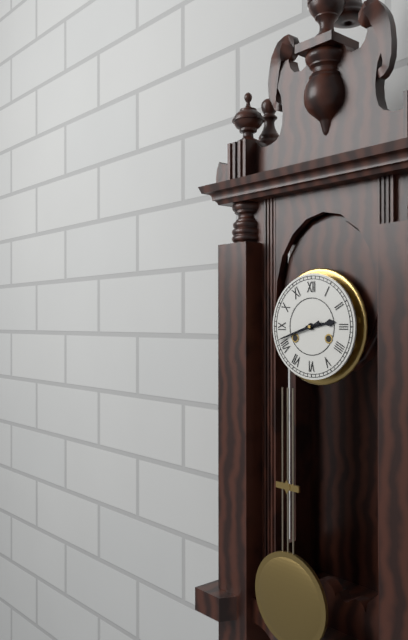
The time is 2:42
